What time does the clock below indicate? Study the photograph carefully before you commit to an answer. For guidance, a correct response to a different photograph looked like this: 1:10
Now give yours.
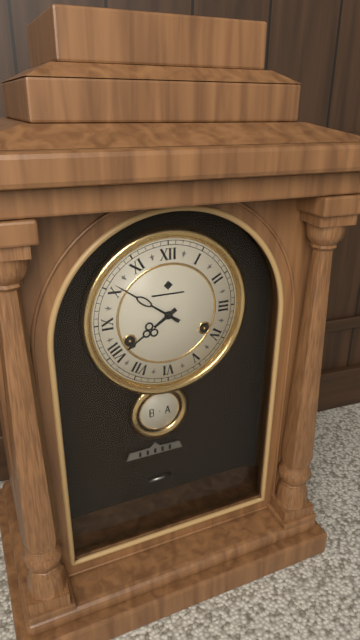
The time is 7:51
